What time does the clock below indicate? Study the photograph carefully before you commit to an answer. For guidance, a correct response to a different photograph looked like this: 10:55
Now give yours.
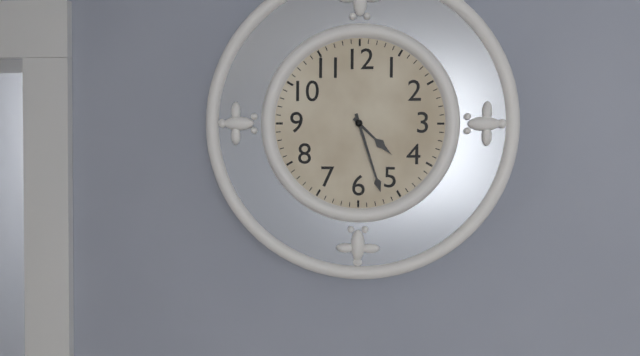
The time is 4:27
